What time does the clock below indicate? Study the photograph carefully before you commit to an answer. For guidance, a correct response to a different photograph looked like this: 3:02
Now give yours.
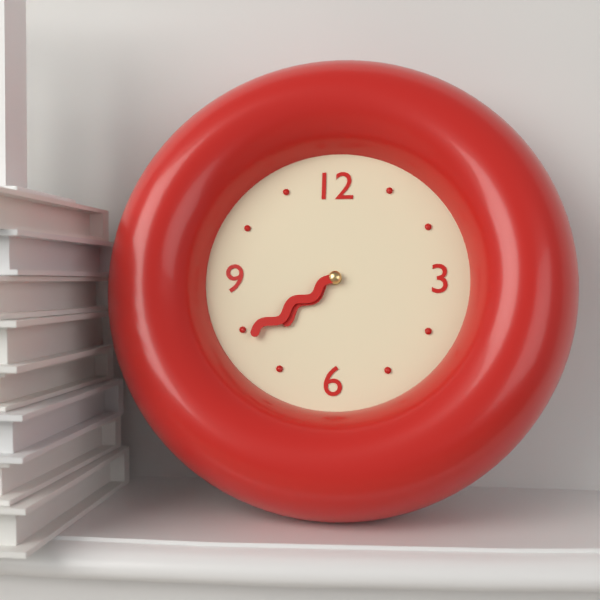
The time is 7:39
